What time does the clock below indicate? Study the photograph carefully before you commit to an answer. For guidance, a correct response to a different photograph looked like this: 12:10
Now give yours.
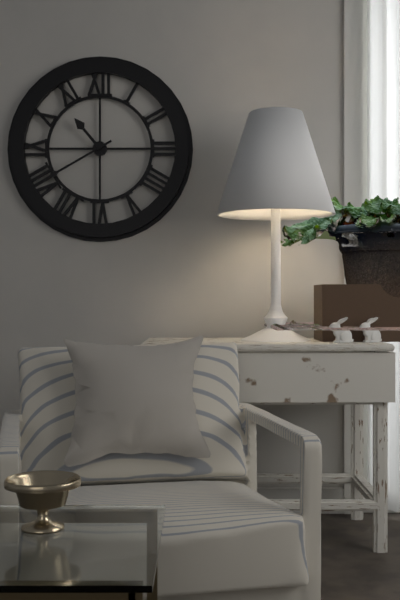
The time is 10:40
